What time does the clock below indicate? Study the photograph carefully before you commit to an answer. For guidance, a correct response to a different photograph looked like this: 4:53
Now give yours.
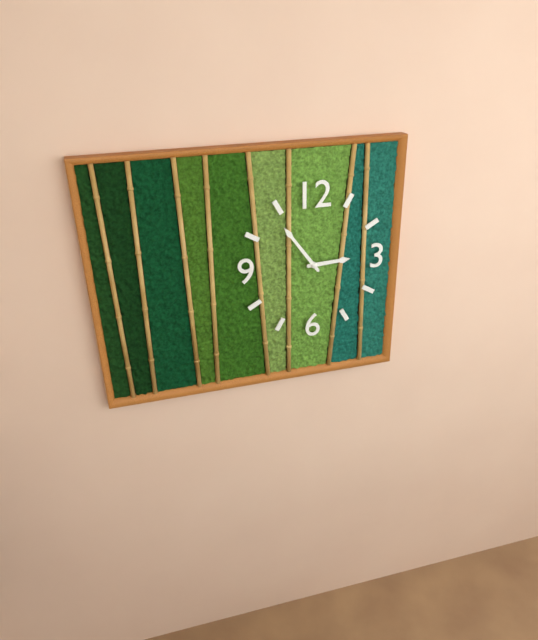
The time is 2:54
